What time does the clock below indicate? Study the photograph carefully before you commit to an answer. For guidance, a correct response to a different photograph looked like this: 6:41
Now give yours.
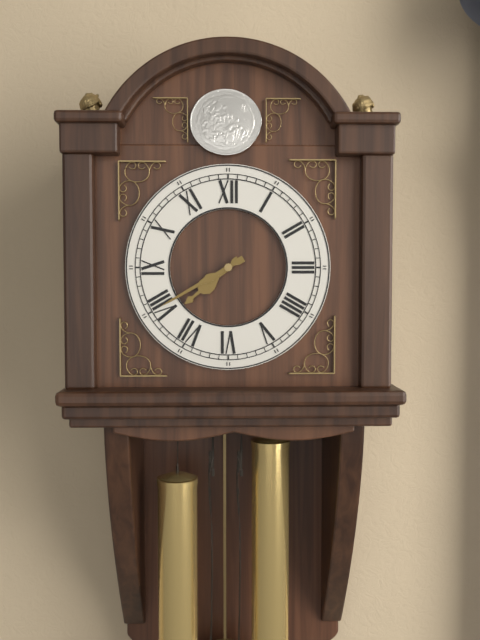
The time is 7:40
